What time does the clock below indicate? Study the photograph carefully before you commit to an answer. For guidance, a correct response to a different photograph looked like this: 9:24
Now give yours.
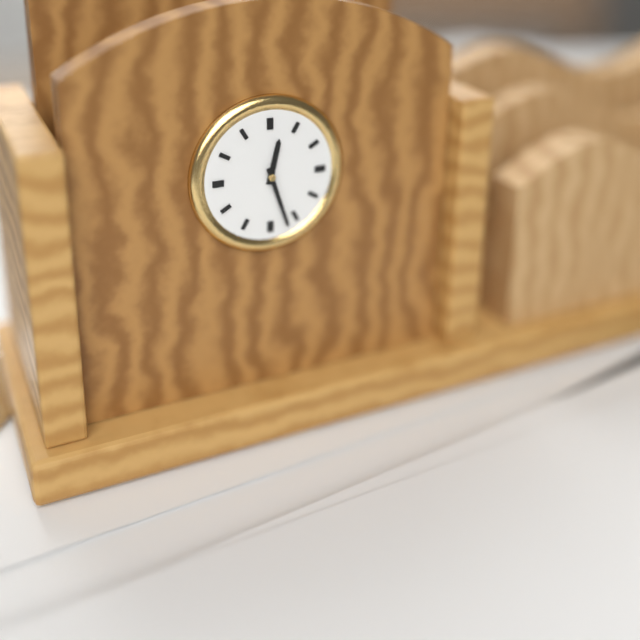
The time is 12:27
